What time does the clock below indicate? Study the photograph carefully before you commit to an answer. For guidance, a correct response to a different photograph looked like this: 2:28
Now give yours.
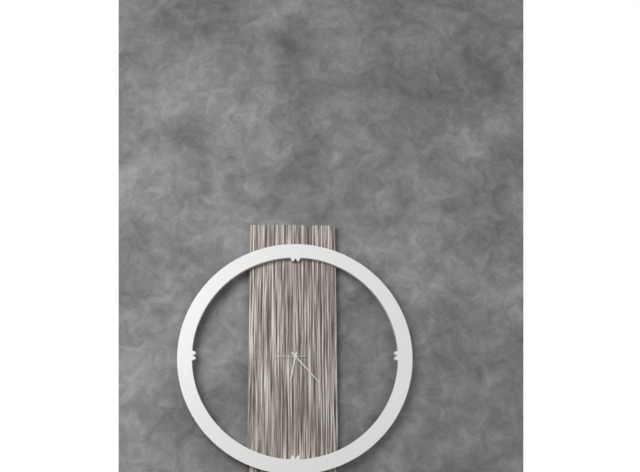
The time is 6:23
